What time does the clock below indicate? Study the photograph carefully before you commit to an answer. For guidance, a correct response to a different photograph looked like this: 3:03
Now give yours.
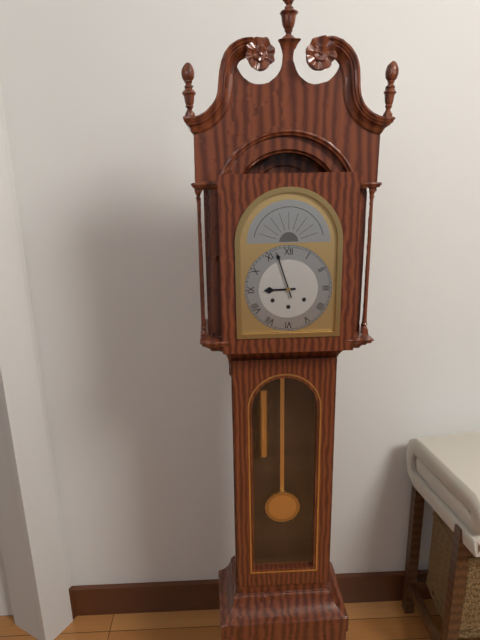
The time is 8:57
